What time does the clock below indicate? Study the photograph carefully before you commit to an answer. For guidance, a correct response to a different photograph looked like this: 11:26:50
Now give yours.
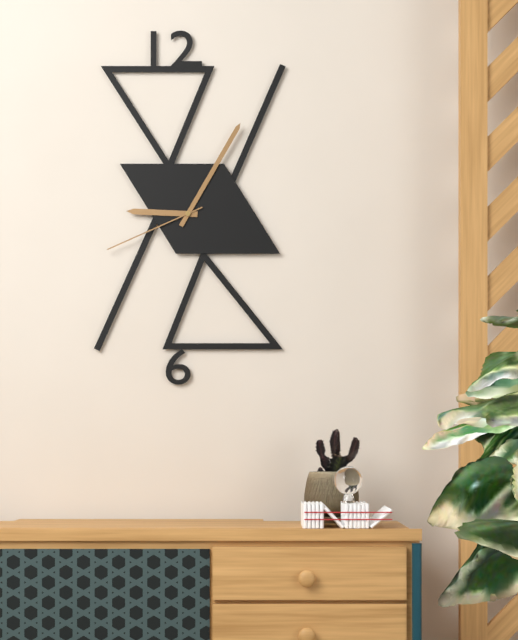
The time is 9:05:41
